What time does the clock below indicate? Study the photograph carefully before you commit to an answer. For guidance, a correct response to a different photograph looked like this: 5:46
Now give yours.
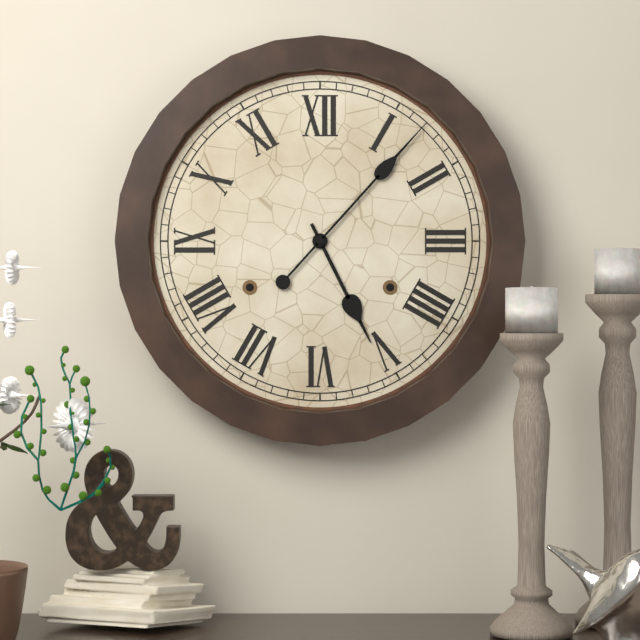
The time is 5:07
